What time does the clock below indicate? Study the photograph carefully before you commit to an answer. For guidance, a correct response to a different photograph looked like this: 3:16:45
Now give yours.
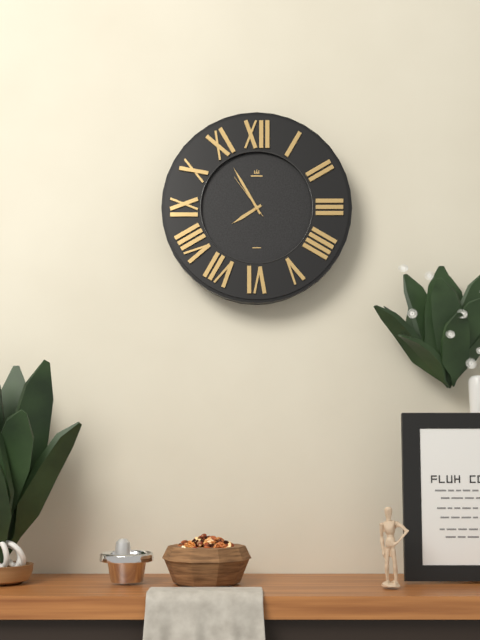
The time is 7:55:54
